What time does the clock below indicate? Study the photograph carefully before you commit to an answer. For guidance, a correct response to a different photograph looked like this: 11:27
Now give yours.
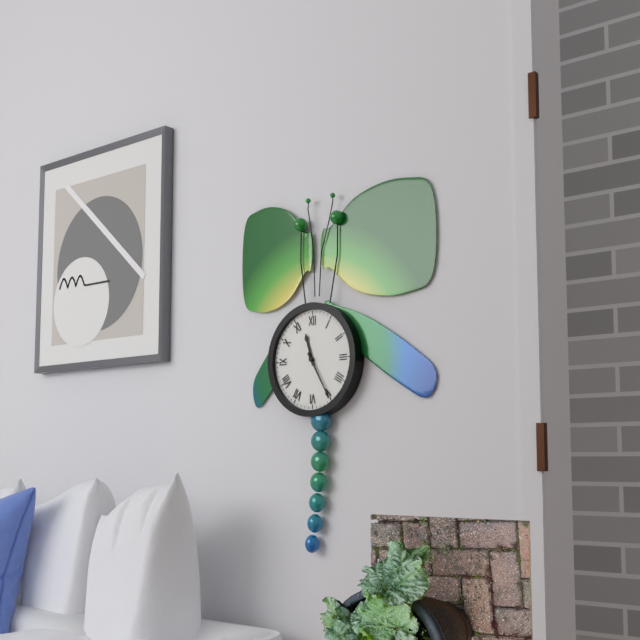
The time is 11:25
